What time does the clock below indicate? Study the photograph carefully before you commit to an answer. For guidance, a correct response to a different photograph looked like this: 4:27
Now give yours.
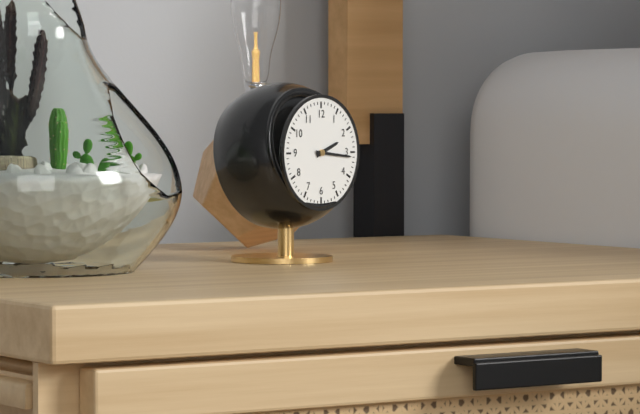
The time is 2:16
